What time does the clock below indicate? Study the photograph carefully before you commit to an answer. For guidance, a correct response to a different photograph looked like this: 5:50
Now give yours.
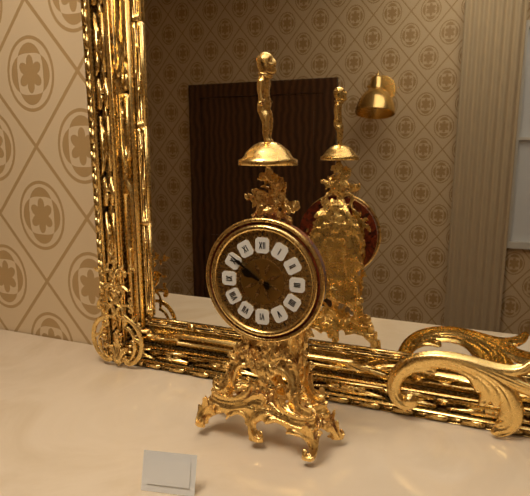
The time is 9:51
